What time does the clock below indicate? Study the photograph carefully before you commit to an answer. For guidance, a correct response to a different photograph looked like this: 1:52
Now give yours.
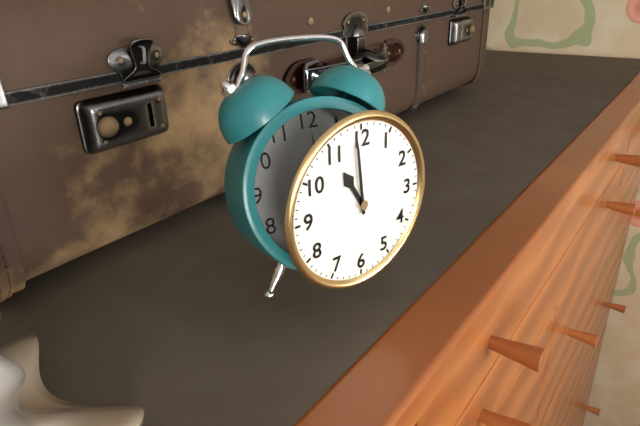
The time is 10:59
